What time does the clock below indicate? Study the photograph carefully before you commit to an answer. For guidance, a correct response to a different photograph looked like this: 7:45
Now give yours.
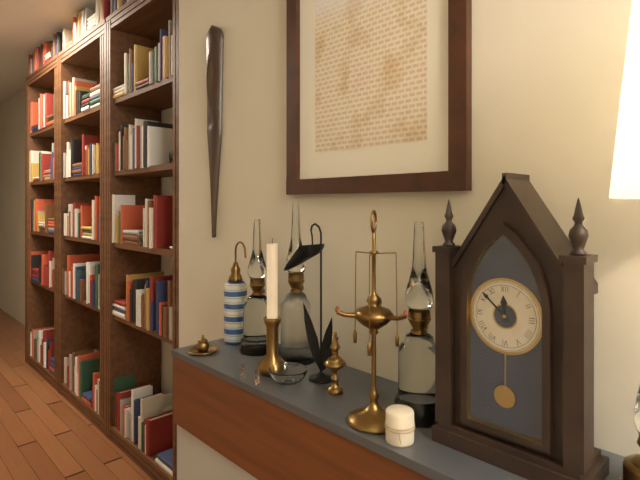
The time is 11:52
